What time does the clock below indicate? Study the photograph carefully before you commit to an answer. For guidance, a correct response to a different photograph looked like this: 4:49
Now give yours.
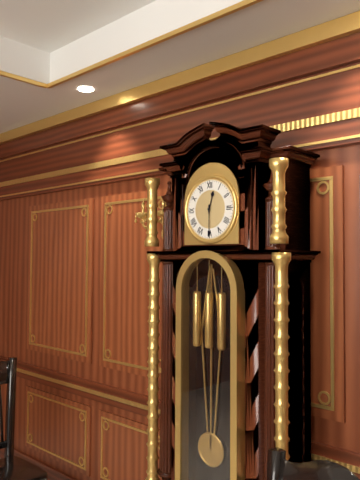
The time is 12:30
